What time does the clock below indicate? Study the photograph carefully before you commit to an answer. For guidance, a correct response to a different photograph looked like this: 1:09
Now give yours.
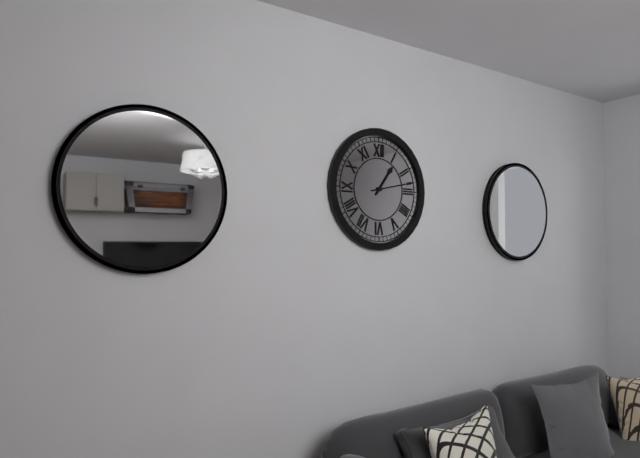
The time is 1:13
